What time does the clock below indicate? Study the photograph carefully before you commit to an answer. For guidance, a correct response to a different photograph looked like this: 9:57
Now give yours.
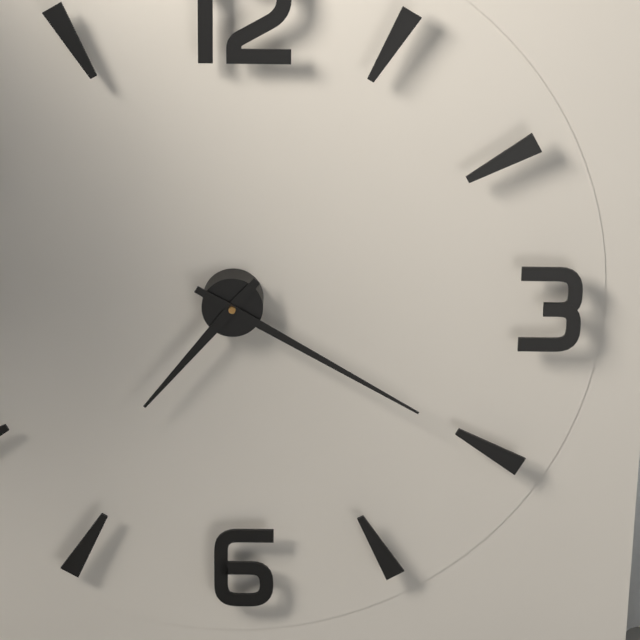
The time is 7:20
